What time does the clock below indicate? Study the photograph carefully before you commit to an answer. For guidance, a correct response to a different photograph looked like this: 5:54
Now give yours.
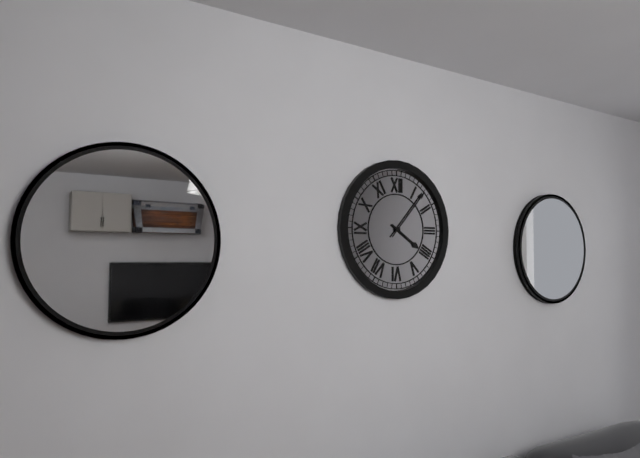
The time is 4:07
